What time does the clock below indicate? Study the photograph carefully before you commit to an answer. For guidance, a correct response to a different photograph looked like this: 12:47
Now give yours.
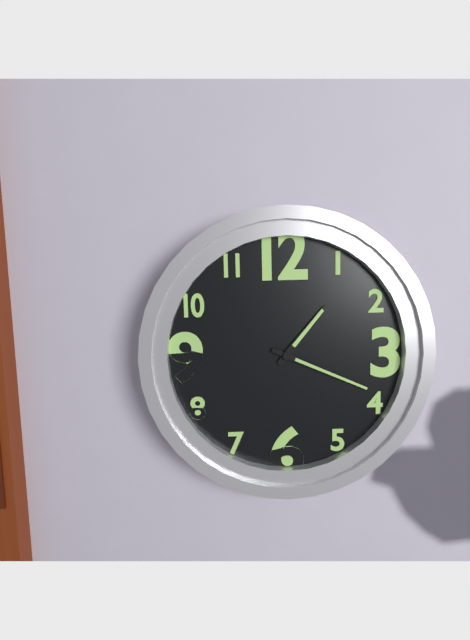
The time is 1:19
